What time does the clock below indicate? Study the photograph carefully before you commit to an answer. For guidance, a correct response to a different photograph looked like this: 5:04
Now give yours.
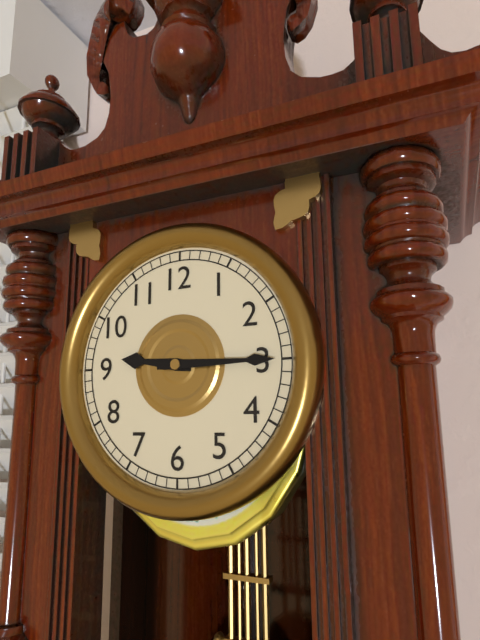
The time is 9:15
